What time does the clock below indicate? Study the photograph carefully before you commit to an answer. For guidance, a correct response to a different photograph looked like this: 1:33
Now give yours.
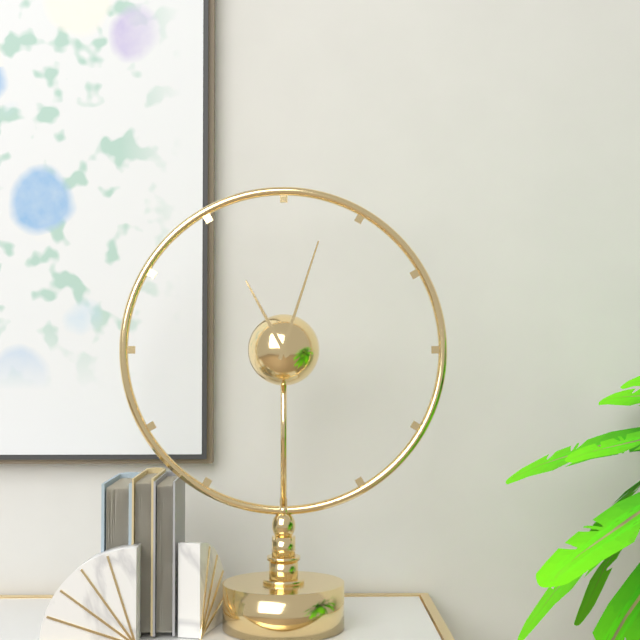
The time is 11:03
